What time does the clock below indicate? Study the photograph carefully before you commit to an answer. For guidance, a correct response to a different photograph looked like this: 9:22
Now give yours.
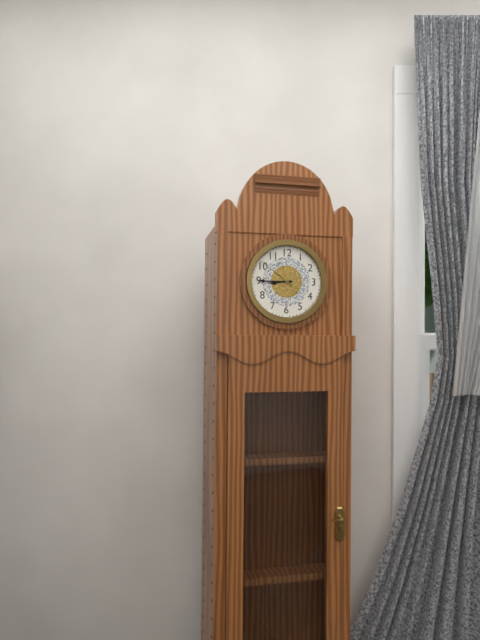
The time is 8:45
